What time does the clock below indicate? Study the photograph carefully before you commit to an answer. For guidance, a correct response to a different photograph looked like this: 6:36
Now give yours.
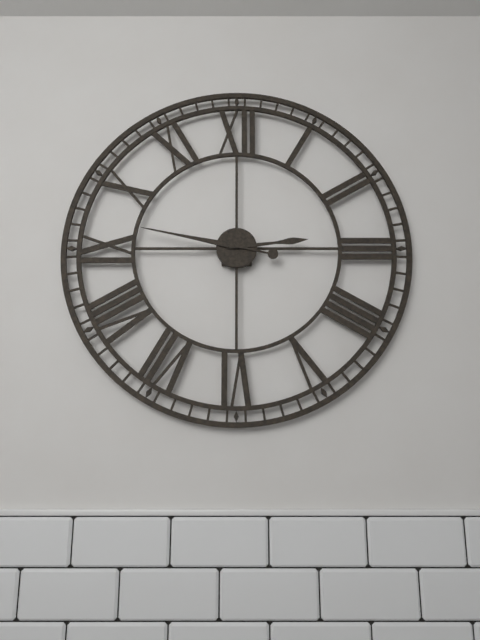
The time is 2:47
